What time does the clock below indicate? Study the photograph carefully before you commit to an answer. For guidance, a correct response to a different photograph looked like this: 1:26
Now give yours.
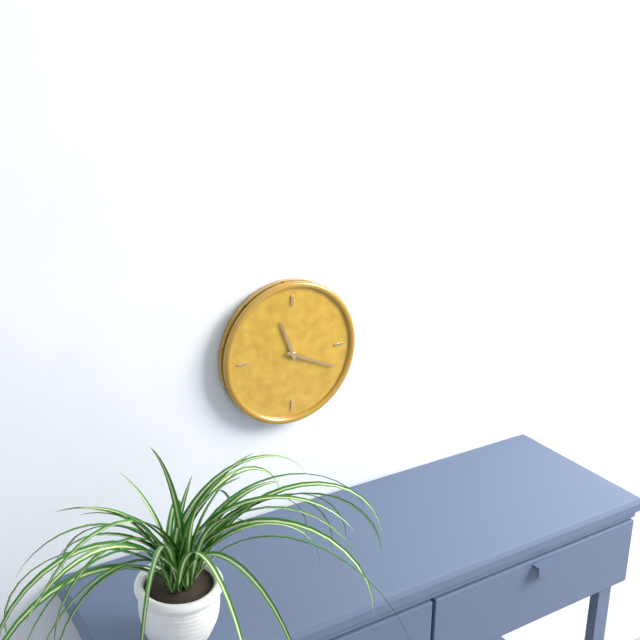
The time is 11:19
